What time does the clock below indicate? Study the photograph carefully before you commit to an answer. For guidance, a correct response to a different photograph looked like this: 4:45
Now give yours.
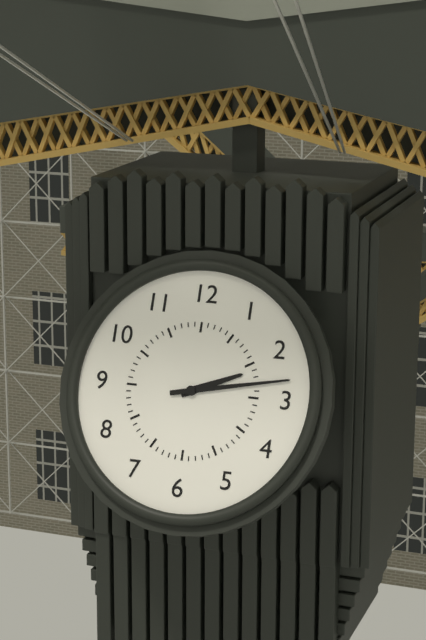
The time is 2:13
